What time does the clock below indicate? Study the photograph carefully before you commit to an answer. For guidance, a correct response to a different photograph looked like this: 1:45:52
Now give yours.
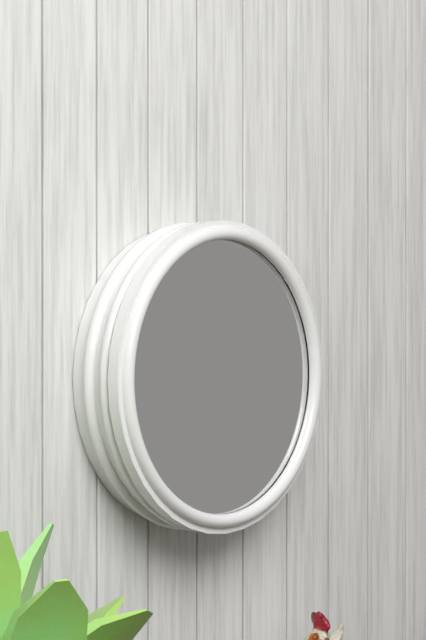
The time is 3:38:13
